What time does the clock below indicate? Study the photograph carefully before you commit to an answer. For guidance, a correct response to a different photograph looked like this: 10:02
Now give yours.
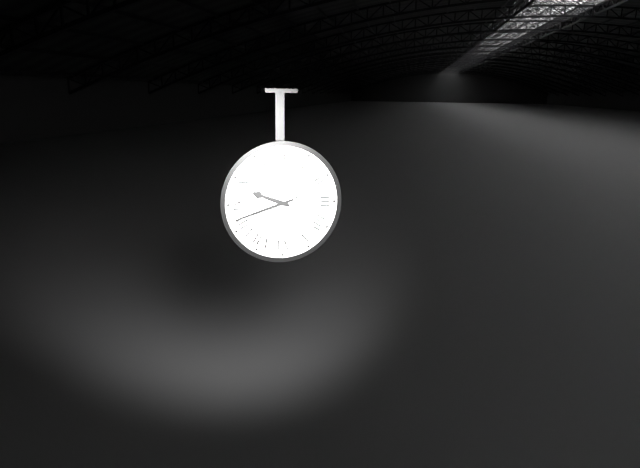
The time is 9:42
